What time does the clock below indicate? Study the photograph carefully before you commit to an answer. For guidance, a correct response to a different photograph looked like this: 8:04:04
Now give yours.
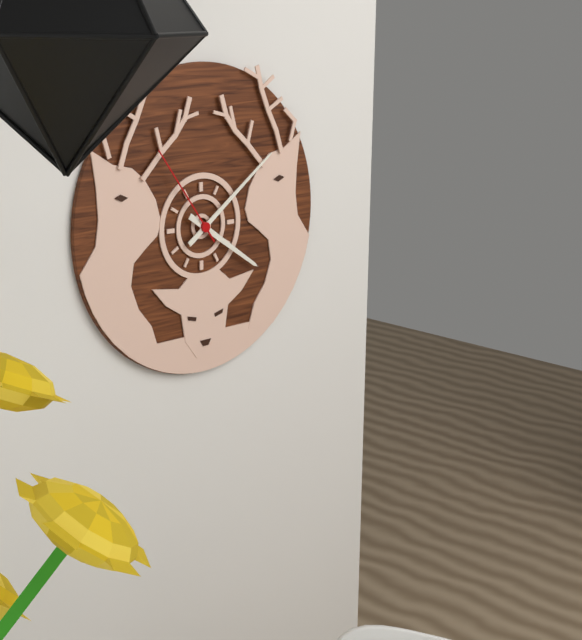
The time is 4:09:54
